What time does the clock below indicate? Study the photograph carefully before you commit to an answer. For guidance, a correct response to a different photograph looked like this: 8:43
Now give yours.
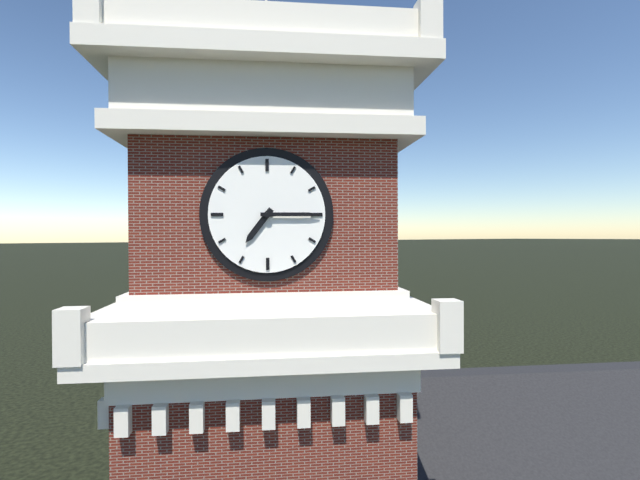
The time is 7:15
